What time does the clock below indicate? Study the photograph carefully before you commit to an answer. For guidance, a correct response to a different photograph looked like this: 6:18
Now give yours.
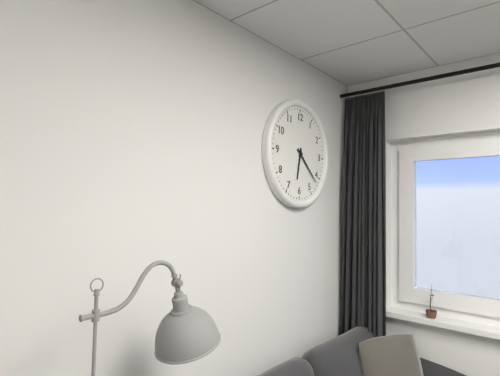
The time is 6:22
